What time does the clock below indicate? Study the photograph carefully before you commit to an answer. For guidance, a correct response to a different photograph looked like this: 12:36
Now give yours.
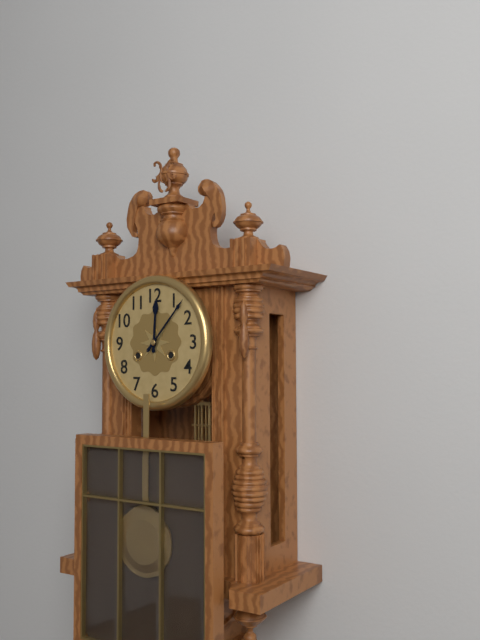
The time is 12:07
